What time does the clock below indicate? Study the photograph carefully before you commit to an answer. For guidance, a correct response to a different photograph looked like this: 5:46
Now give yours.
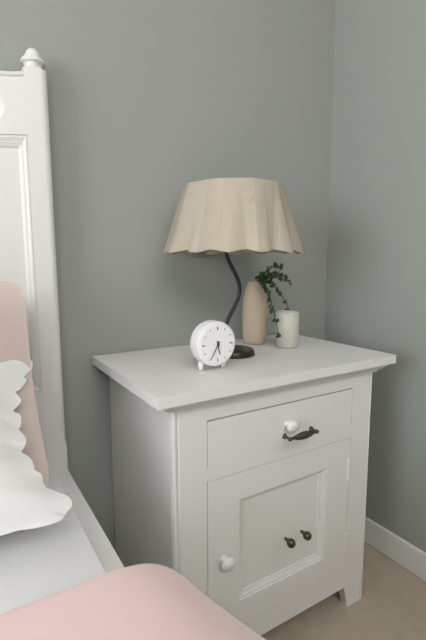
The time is 5:35
